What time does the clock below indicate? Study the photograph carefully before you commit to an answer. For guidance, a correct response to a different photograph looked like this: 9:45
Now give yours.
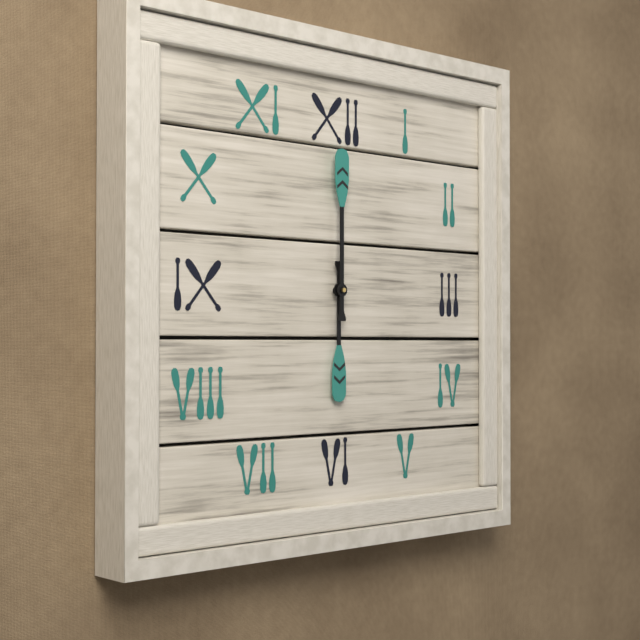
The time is 6:00
